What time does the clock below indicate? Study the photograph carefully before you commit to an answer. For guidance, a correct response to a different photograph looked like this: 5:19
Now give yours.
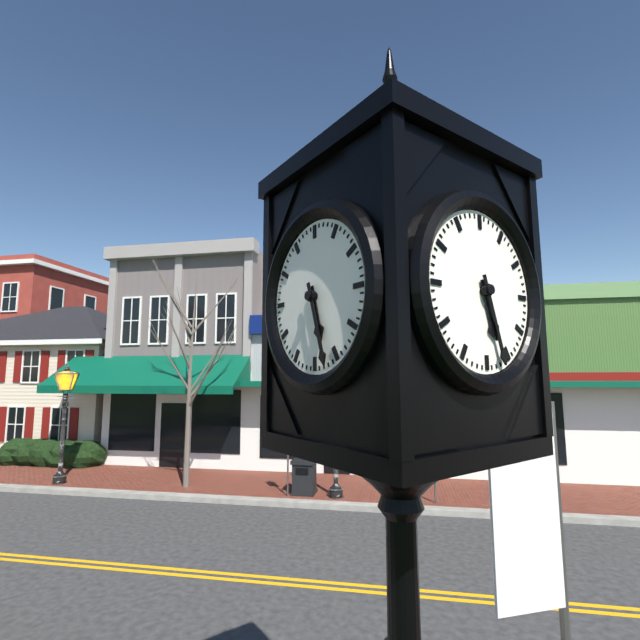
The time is 5:27
